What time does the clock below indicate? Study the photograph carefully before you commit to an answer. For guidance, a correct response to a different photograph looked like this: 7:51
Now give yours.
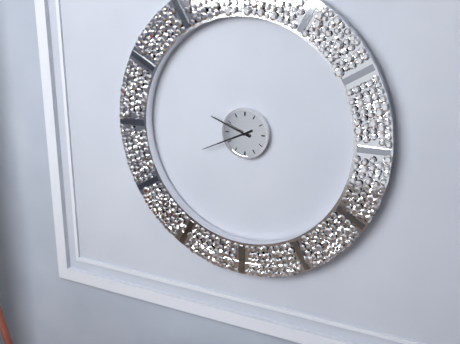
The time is 9:41
